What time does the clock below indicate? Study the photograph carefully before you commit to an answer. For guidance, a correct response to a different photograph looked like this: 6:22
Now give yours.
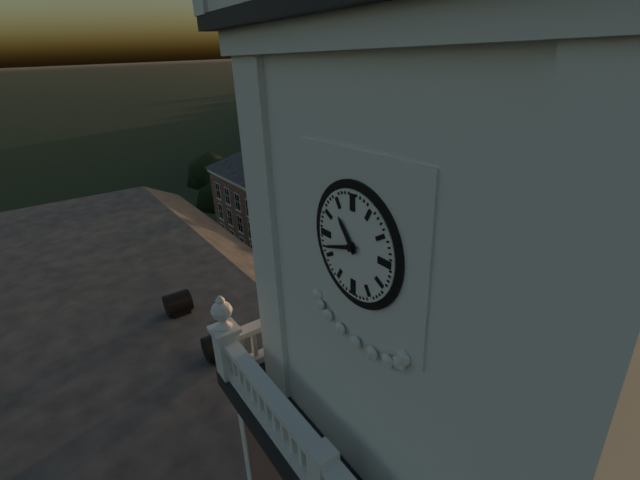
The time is 10:42
